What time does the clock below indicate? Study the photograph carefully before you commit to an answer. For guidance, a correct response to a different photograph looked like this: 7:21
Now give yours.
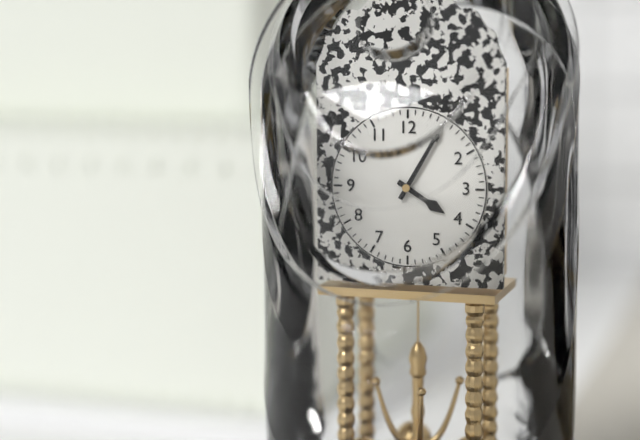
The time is 4:05
